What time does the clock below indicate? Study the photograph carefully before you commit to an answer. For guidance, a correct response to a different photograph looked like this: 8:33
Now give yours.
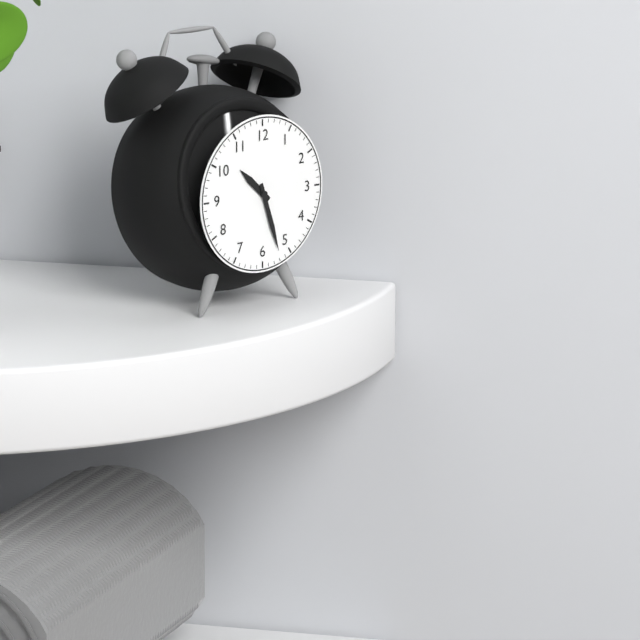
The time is 10:27
